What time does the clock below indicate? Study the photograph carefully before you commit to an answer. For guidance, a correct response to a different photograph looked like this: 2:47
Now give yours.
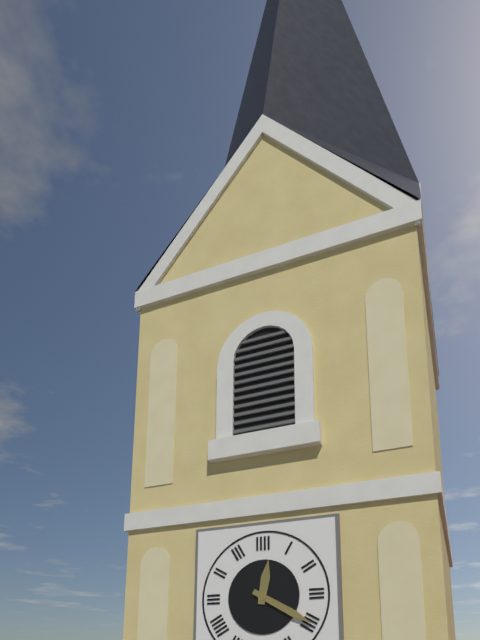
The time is 12:20
